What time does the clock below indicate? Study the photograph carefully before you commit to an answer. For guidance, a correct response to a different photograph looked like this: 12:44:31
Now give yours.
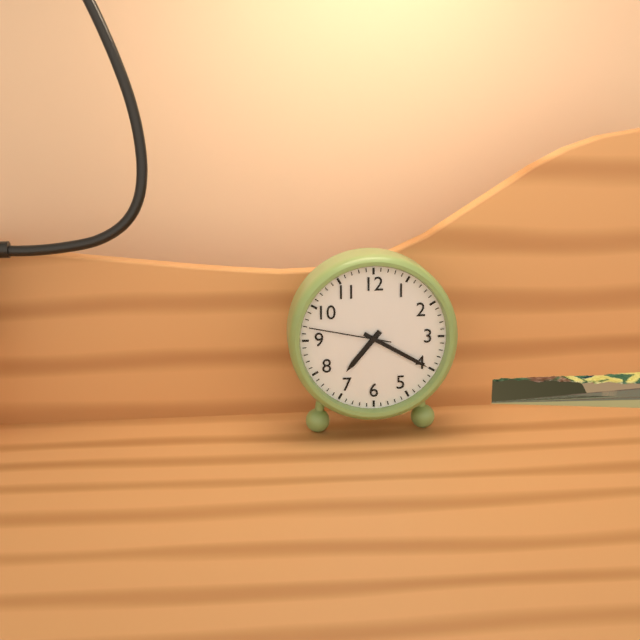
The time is 7:20:47
